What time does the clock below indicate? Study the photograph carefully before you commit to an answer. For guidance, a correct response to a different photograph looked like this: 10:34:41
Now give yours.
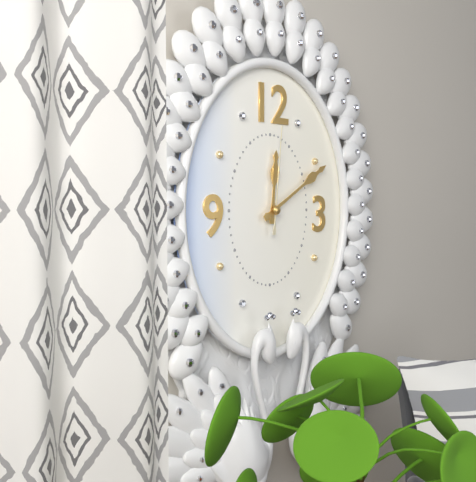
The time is 12:10:01
